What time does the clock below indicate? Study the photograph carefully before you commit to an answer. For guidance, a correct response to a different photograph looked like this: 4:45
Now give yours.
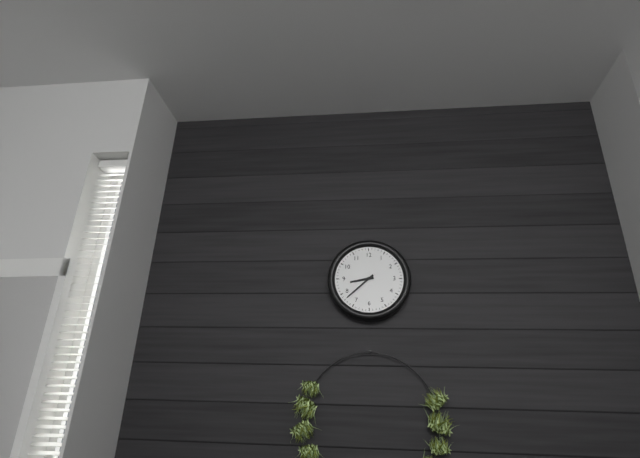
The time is 8:38
